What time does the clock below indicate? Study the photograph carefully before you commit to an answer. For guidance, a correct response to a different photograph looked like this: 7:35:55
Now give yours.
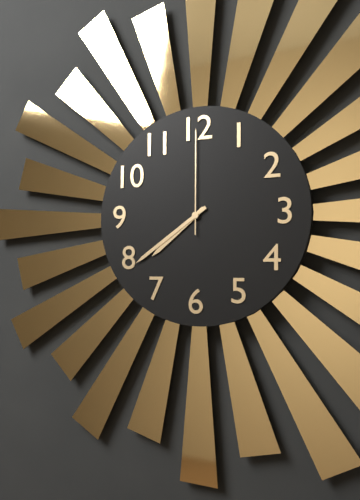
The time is 7:39:00
